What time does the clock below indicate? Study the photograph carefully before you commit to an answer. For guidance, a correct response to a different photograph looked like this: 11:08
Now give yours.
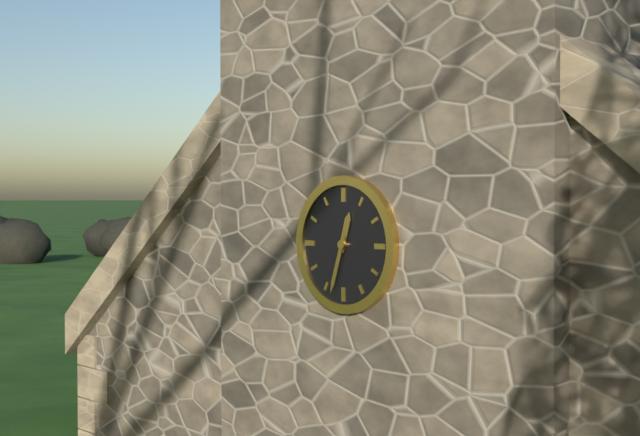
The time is 12:33
